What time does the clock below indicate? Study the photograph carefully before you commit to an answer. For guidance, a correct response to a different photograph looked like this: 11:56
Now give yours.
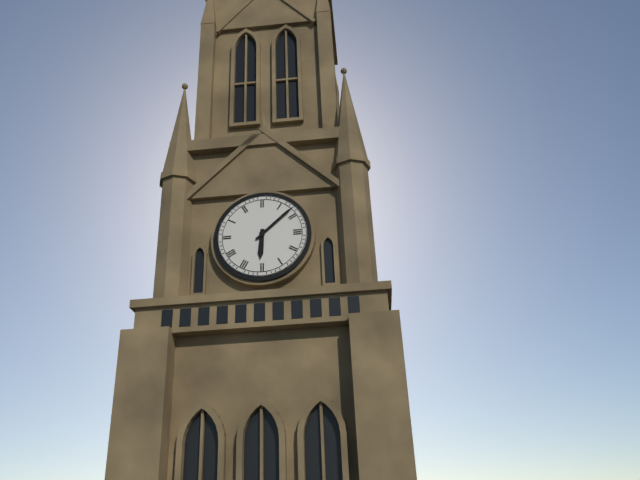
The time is 6:08
